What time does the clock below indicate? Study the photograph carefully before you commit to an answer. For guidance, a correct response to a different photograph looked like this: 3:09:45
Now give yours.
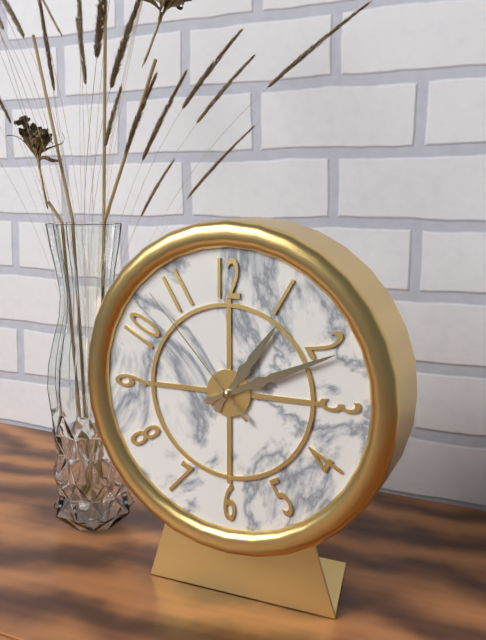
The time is 1:11:53
